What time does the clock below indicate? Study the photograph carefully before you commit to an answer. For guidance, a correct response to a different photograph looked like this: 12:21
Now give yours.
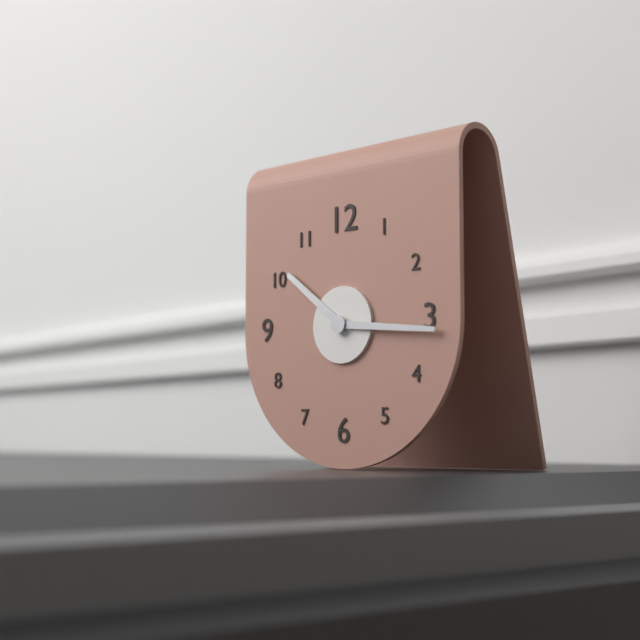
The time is 10:16
